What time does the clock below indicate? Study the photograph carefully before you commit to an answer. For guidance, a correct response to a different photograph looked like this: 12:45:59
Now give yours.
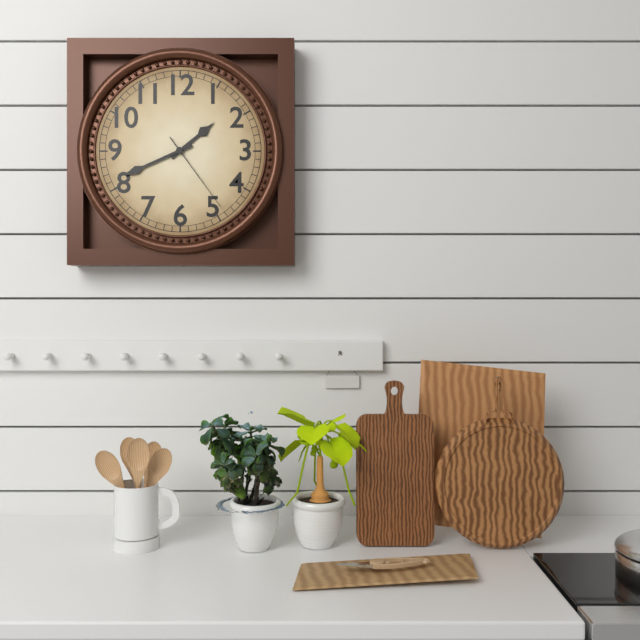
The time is 1:41:24
